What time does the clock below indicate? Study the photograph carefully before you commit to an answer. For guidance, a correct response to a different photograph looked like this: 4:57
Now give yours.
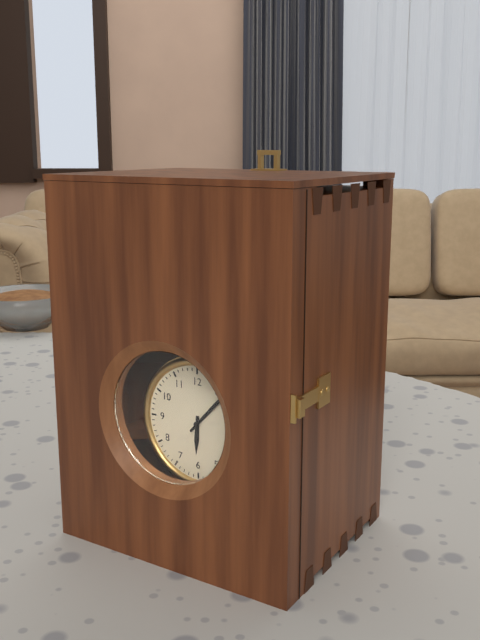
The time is 6:07
